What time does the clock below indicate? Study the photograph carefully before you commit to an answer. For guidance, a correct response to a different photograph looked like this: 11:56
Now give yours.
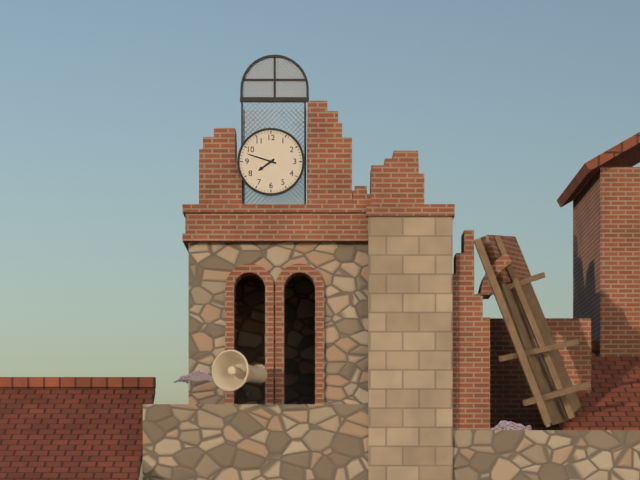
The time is 7:48
